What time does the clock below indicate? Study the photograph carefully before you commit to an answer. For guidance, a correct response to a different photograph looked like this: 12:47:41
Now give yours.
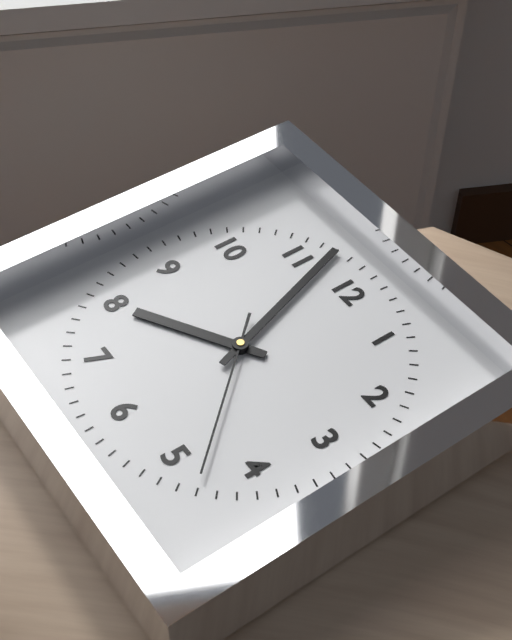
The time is 7:57:23
